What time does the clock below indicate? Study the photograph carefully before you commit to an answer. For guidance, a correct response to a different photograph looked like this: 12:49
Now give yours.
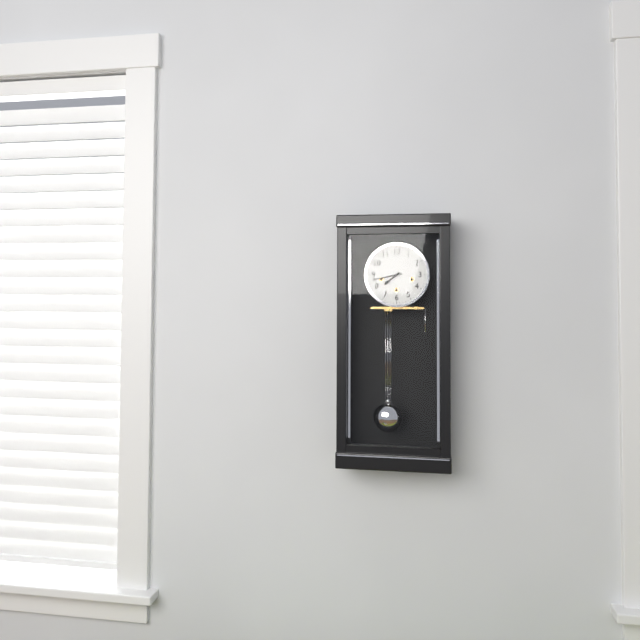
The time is 7:43
